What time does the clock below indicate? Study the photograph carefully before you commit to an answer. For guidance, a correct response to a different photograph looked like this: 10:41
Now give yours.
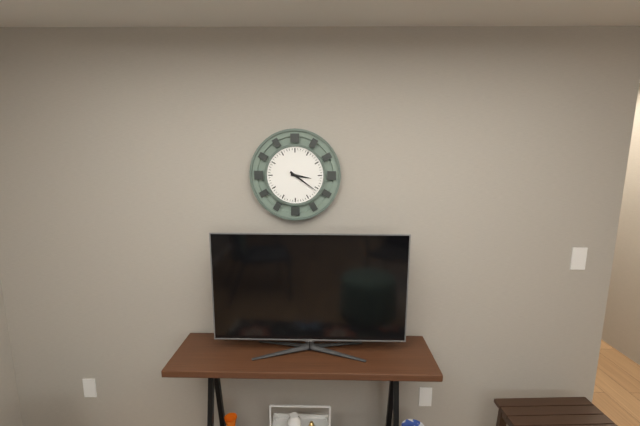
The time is 3:21
